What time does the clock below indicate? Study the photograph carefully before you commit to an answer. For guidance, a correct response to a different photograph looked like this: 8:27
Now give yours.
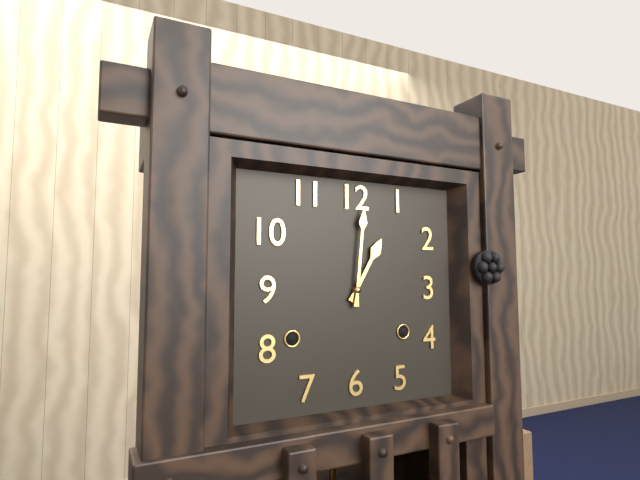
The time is 1:01
